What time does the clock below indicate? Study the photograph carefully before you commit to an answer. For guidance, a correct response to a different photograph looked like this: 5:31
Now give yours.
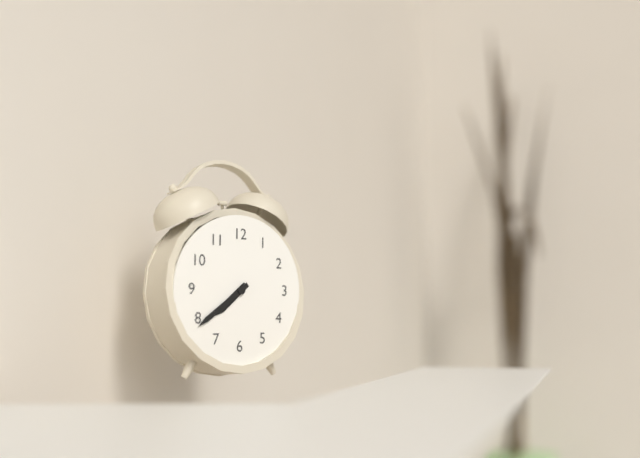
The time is 7:39
